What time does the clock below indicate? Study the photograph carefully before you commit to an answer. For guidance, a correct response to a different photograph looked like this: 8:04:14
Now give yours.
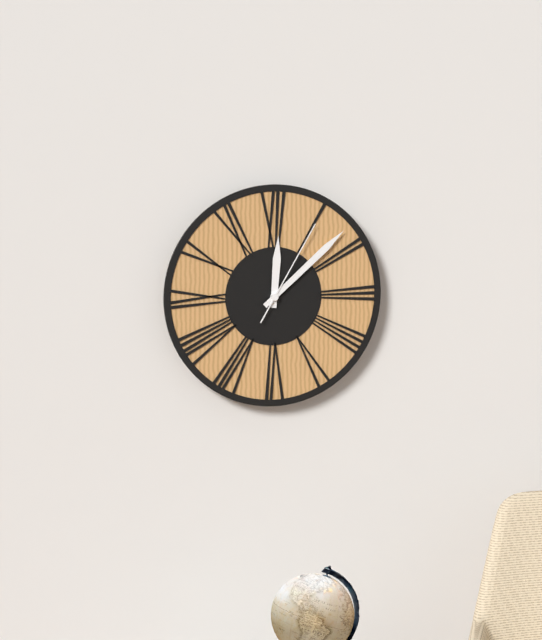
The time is 12:08:05
